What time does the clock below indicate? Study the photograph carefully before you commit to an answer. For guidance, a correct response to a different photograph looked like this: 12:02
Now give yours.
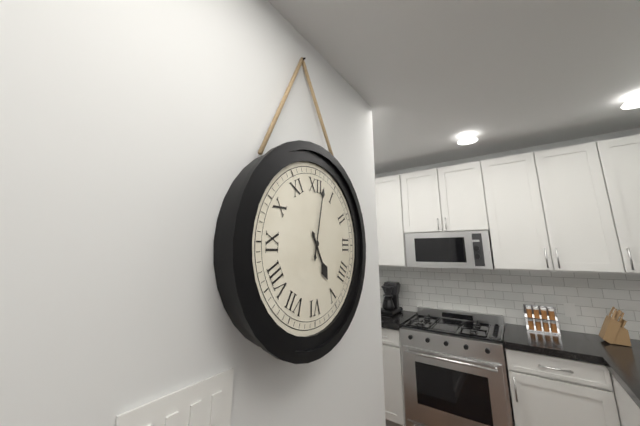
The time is 5:02
